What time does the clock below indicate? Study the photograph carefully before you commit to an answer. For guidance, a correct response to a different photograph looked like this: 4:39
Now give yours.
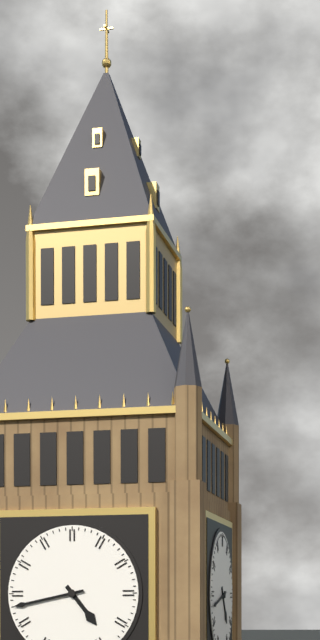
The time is 4:43
